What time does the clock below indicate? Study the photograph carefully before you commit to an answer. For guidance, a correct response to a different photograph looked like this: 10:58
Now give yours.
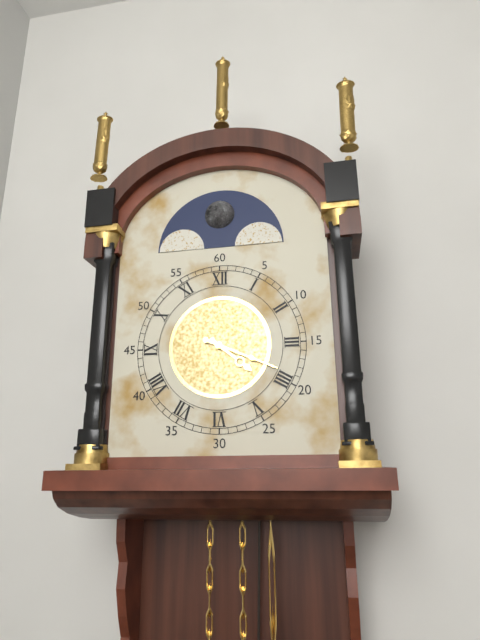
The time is 4:19
